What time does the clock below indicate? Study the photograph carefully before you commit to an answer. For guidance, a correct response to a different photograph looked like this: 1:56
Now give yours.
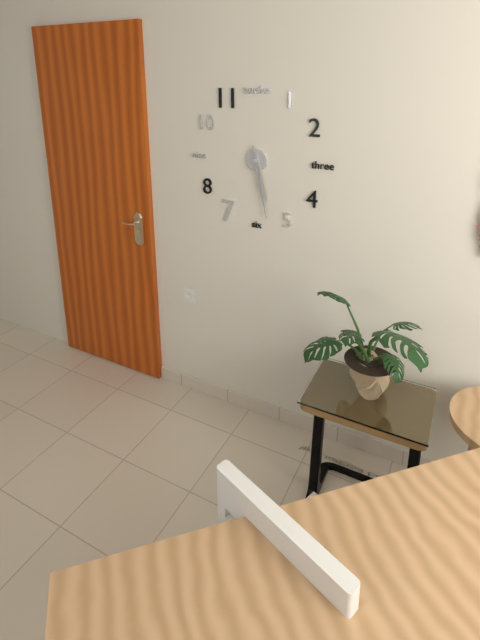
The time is 5:28
